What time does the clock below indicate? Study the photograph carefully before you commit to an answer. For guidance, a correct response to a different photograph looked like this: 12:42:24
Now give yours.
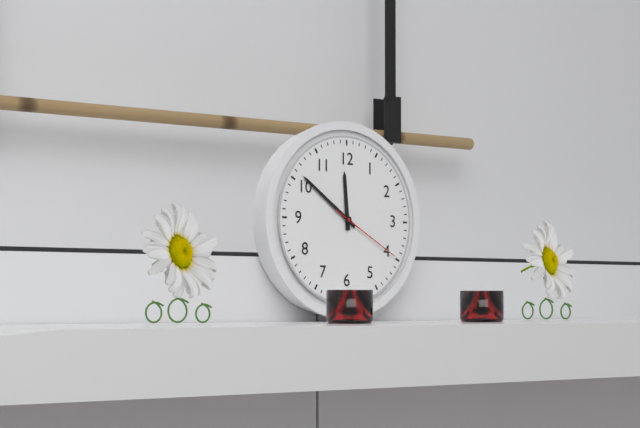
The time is 11:51:20
